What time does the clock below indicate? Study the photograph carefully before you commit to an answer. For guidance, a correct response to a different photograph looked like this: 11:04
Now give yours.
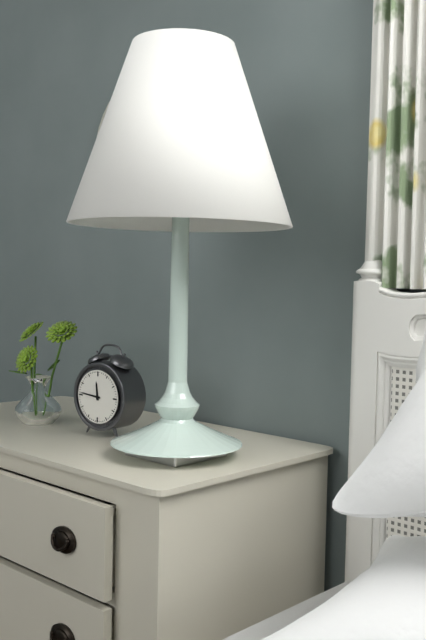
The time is 11:46
